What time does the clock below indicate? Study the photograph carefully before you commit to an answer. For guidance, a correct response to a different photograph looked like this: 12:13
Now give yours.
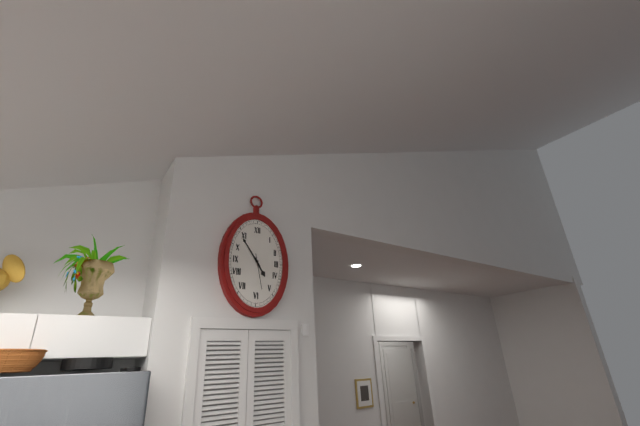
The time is 4:54
